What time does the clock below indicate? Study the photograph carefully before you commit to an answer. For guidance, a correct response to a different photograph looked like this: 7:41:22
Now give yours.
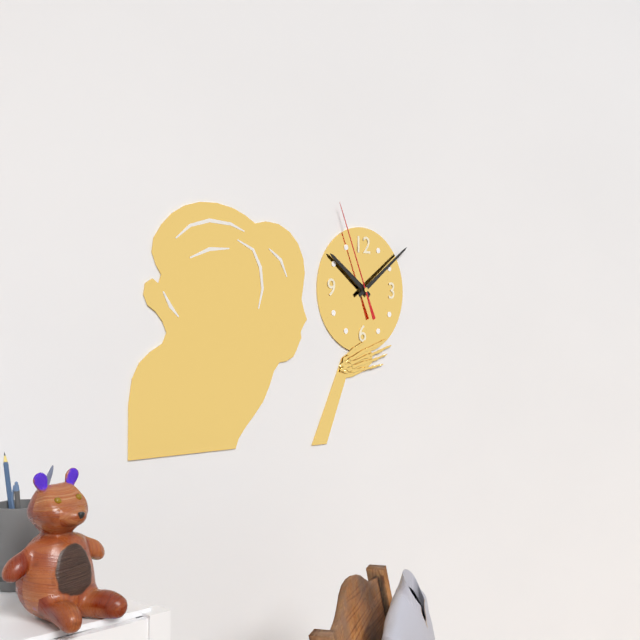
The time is 10:09:56
